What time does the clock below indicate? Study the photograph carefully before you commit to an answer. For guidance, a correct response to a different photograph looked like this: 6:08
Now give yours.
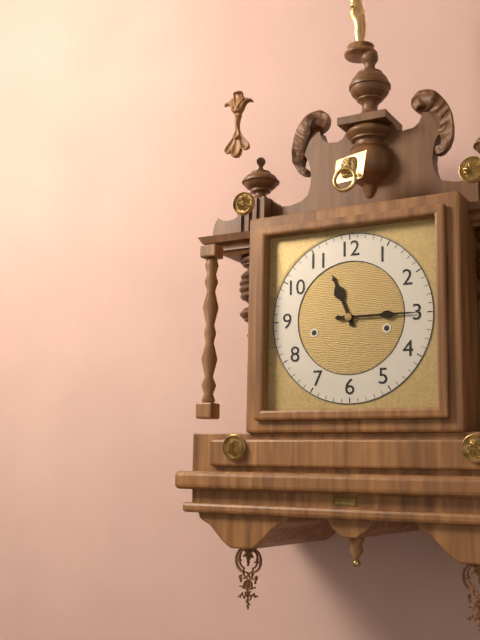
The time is 11:15
